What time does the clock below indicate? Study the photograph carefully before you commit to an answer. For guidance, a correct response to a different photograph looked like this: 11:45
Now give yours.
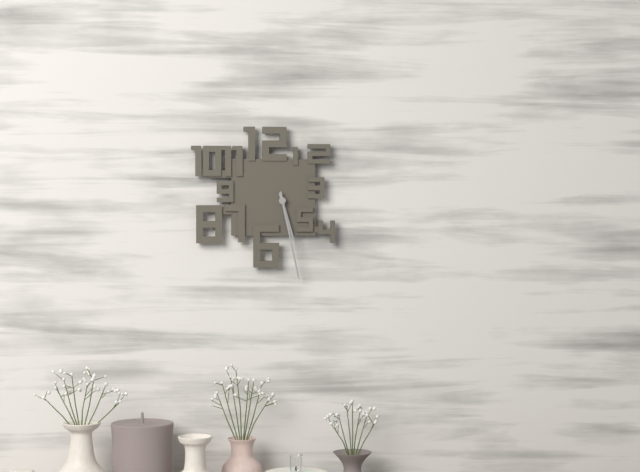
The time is 5:28
